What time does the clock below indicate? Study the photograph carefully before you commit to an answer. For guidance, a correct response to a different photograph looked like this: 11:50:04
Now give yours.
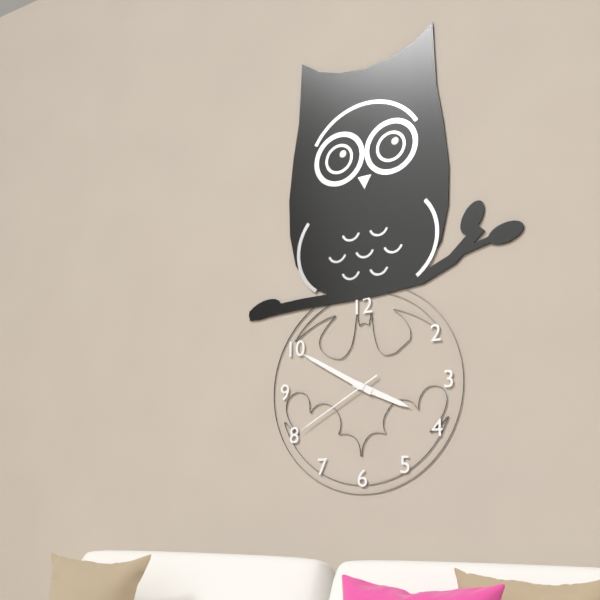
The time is 3:50:40
